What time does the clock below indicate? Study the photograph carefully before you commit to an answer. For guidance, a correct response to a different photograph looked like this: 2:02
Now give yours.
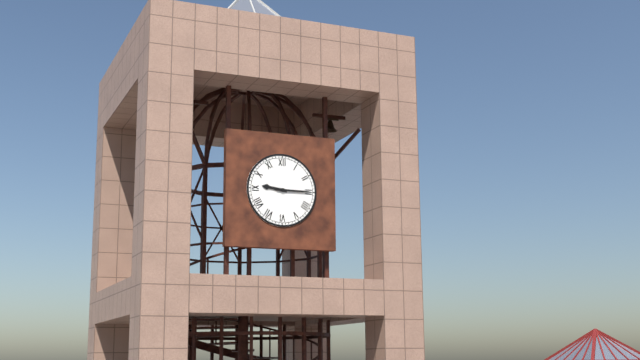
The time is 9:15
